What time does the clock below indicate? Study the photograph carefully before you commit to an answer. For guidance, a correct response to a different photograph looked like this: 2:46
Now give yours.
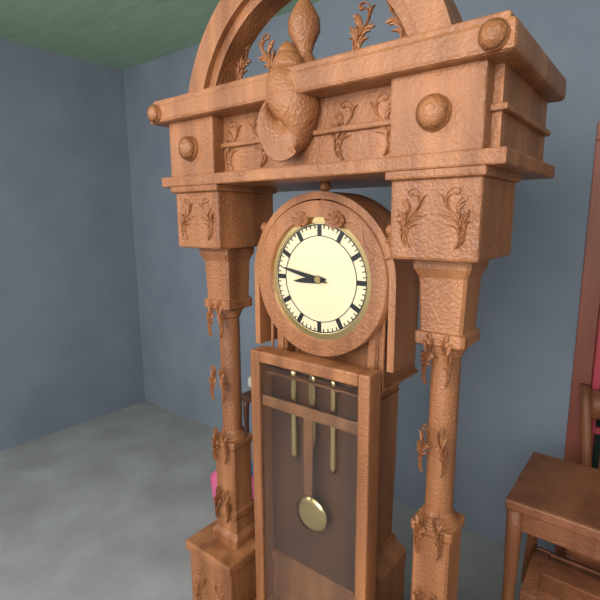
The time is 8:47
